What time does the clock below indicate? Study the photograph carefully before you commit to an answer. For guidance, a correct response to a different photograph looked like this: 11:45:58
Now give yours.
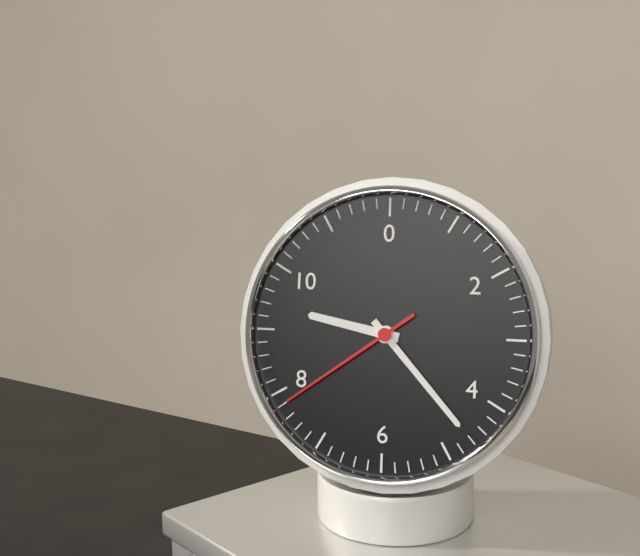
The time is 9:23:39
